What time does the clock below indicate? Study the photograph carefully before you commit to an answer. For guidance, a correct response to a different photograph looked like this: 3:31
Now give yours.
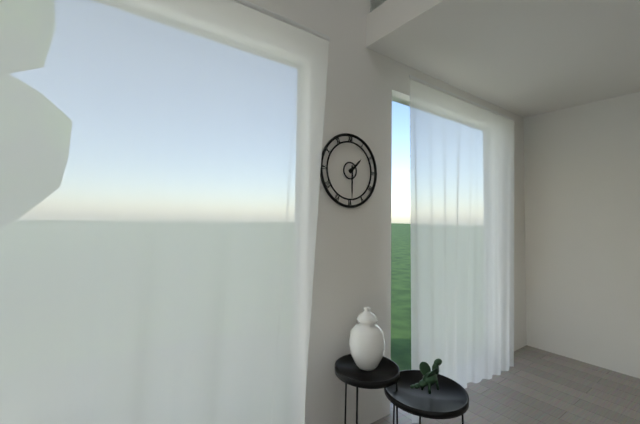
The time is 1:30
